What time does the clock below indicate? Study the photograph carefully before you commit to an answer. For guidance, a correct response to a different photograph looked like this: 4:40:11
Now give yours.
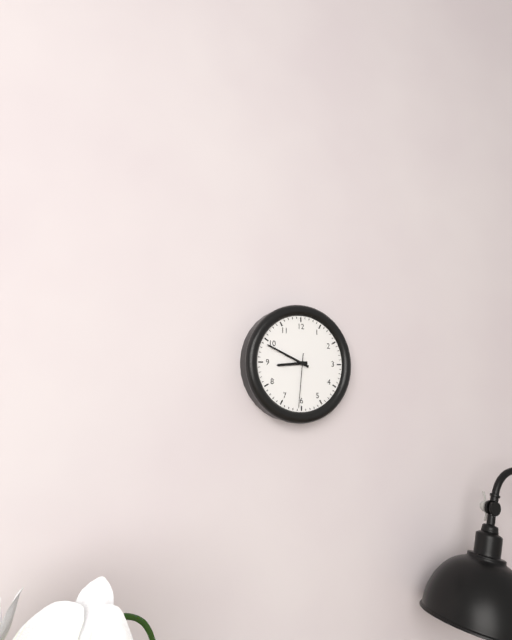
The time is 8:49:31
